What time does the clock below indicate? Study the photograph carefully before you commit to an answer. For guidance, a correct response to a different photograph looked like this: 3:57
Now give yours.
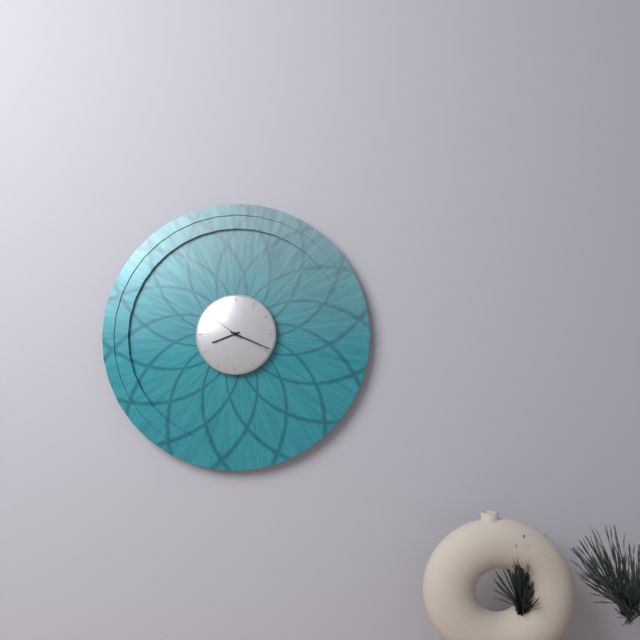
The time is 8:19
